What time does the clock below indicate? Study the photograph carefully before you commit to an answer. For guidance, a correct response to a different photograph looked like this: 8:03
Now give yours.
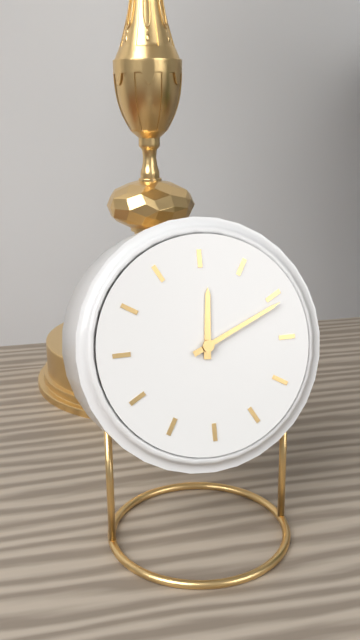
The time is 12:11
